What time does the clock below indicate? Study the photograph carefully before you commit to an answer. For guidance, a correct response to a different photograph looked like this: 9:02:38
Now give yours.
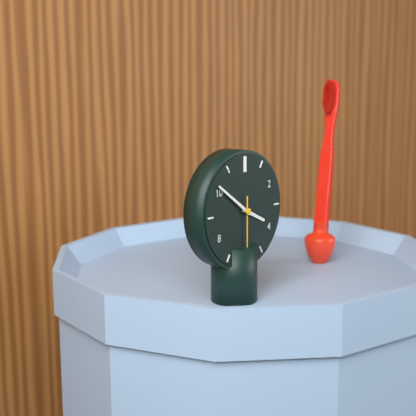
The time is 3:51:30
